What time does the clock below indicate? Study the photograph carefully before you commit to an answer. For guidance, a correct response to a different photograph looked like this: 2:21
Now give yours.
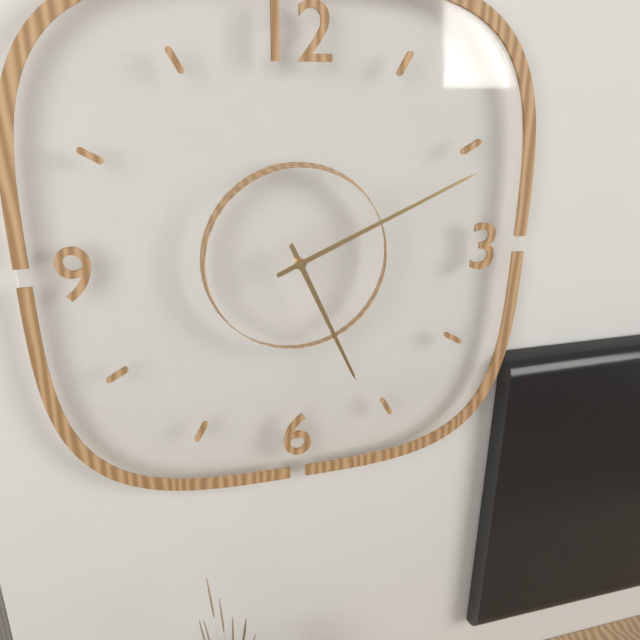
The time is 5:11
